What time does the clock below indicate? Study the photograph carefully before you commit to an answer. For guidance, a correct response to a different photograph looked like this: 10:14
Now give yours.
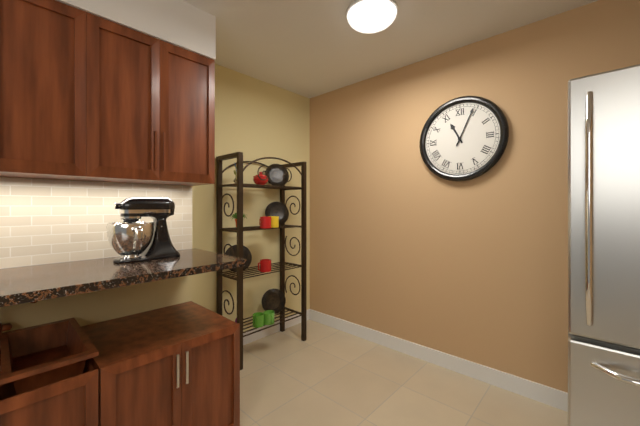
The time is 11:04
